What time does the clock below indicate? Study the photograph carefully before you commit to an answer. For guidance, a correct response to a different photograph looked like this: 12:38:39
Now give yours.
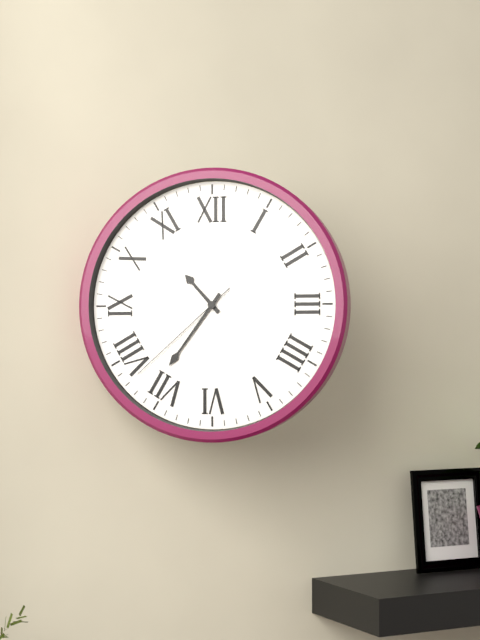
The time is 10:36:38
